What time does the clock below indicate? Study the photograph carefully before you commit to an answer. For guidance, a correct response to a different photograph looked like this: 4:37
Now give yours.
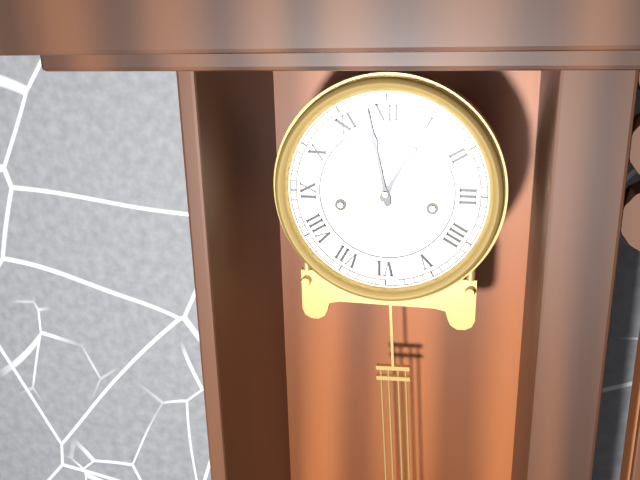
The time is 12:58
